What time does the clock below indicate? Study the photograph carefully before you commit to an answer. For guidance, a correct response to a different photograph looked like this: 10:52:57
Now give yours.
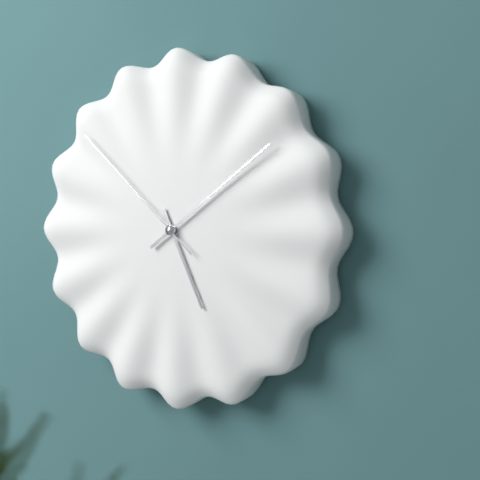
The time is 5:09:52
